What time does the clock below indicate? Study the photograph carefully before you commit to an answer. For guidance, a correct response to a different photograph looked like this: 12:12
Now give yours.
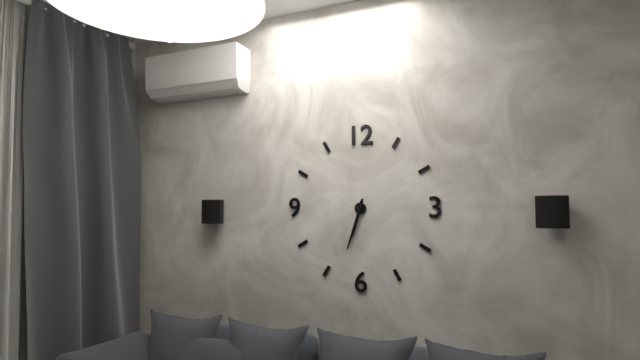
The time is 6:33
